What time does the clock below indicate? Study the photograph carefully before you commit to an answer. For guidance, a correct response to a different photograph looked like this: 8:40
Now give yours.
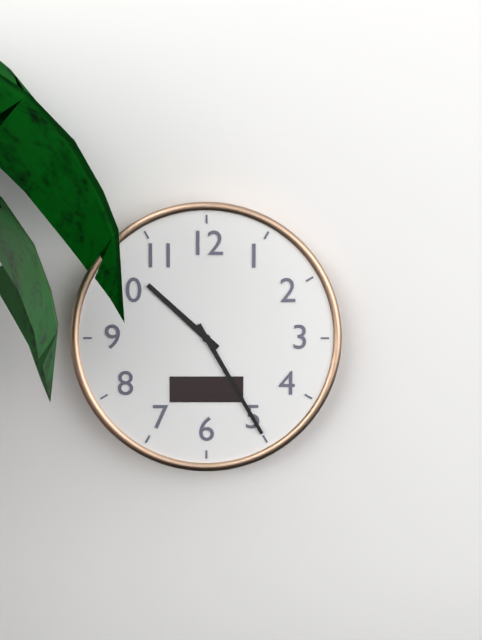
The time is 10:25
